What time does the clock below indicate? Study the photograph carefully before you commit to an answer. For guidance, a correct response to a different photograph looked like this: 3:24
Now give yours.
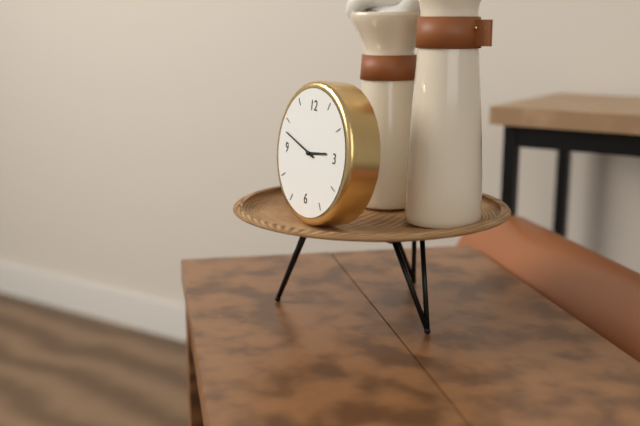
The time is 2:48
